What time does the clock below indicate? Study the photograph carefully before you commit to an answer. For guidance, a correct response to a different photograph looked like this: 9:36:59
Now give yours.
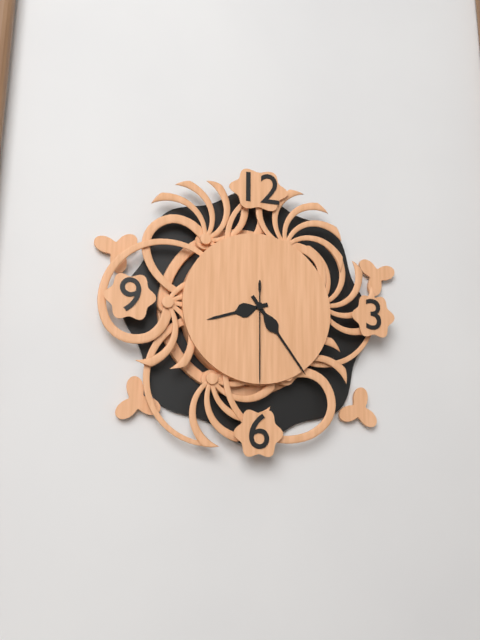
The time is 8:24:30
